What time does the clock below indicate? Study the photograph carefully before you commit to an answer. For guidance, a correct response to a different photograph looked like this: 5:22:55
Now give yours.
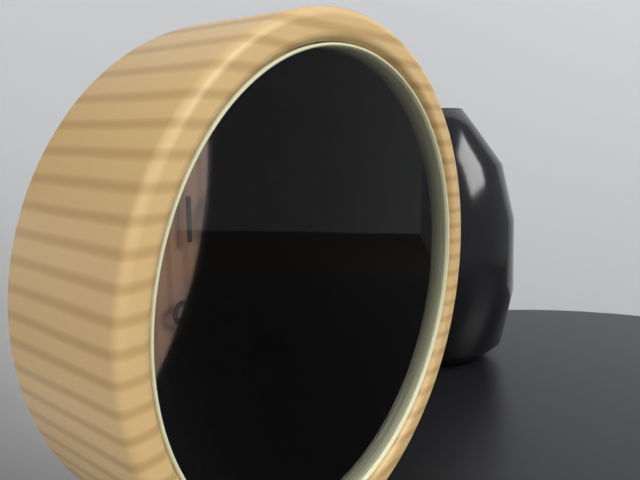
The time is 7:11:40
